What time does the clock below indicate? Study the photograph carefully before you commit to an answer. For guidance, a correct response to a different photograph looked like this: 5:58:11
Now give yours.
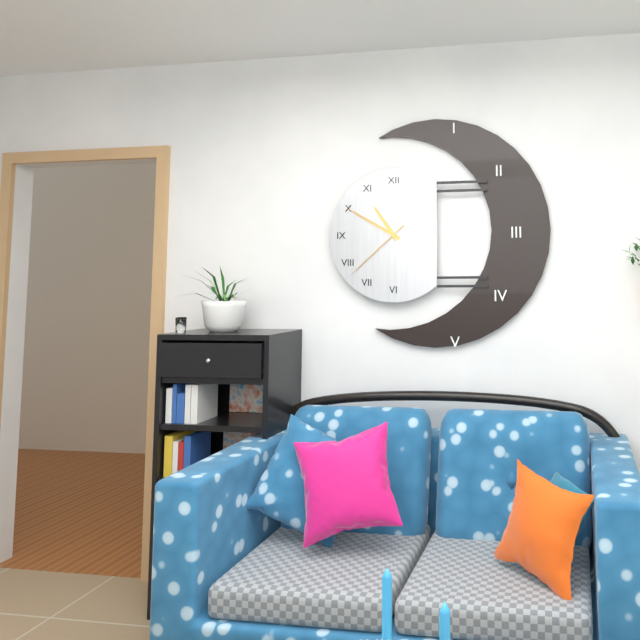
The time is 10:50:38
